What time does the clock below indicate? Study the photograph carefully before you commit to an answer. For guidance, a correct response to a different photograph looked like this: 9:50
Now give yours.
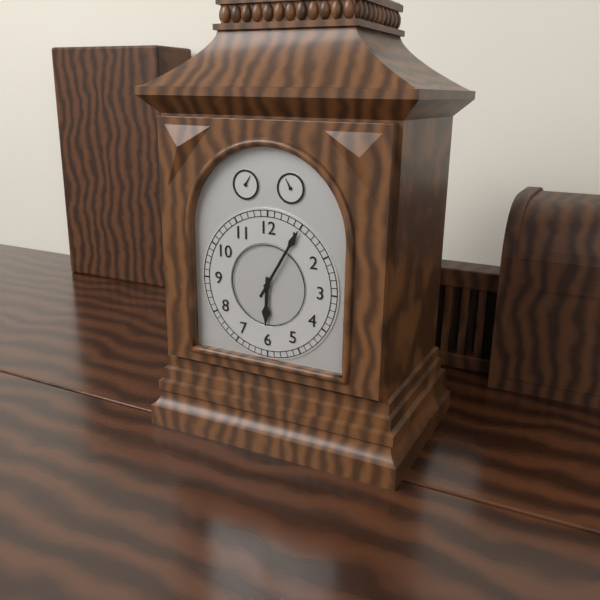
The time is 6:05
